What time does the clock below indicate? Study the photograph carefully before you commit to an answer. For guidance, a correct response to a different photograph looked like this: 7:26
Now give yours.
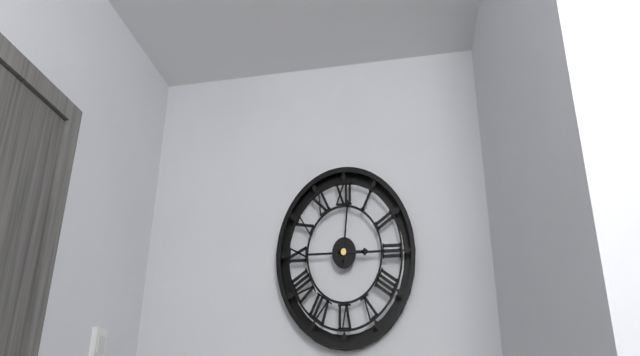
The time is 3:01
